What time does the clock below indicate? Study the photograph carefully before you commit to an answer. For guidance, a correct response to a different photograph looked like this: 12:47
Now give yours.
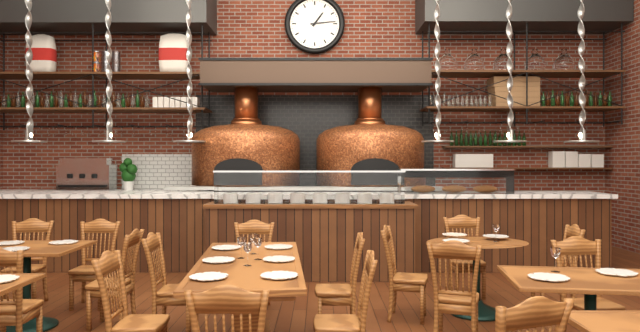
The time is 1:14
